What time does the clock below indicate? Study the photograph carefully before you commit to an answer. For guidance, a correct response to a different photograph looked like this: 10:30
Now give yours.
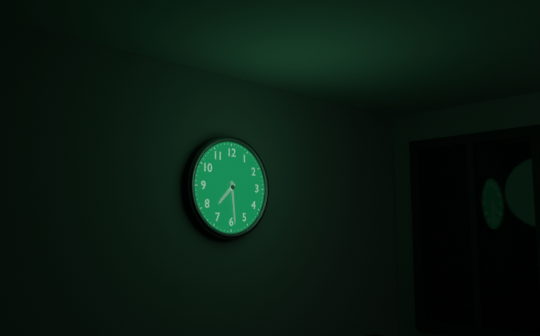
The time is 7:29
